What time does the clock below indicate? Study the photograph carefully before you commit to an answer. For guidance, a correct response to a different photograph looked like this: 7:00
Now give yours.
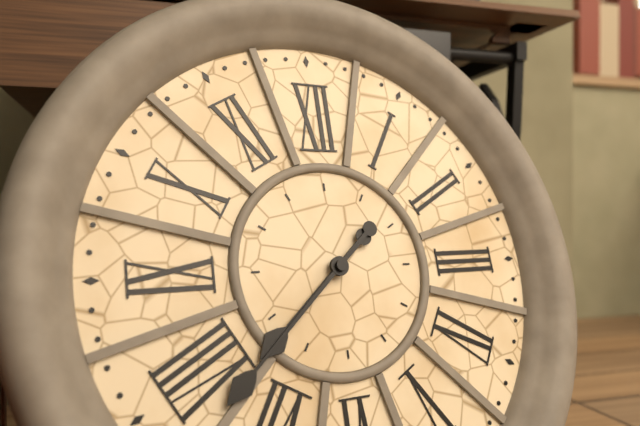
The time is 7:38
